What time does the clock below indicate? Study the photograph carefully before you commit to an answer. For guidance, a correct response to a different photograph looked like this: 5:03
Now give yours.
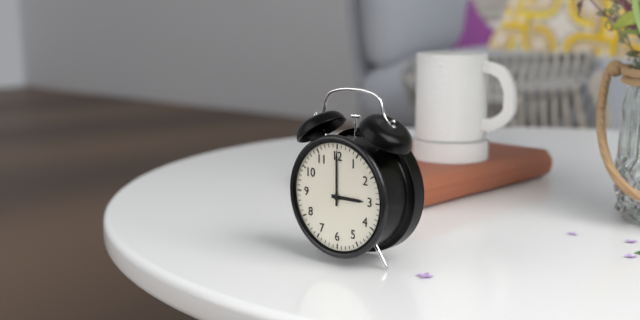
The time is 3:00
